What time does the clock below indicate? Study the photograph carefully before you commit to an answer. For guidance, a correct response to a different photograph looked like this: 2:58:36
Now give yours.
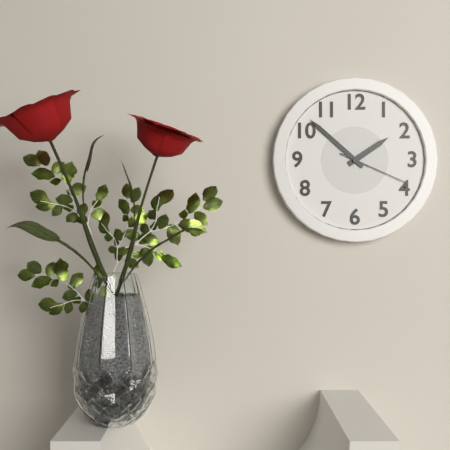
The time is 1:52:19
